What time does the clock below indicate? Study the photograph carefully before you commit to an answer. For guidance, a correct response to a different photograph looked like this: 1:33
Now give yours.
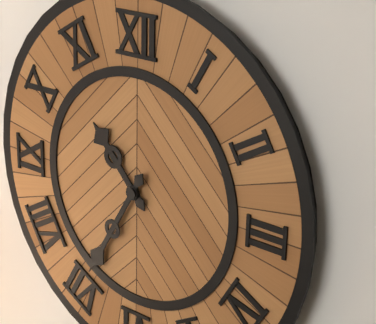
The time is 10:35
